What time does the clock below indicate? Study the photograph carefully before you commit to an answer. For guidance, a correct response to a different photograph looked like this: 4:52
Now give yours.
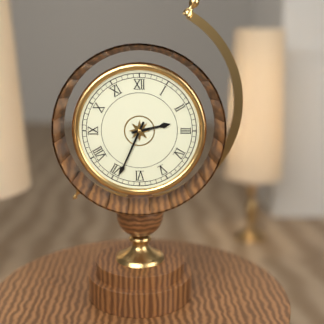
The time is 2:34
